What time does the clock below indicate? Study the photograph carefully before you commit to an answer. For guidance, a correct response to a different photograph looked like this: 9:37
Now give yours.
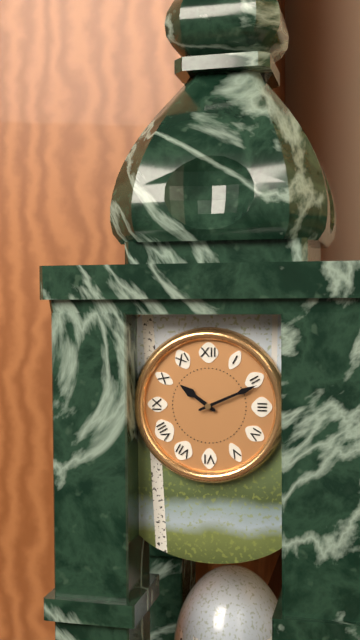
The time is 10:11
